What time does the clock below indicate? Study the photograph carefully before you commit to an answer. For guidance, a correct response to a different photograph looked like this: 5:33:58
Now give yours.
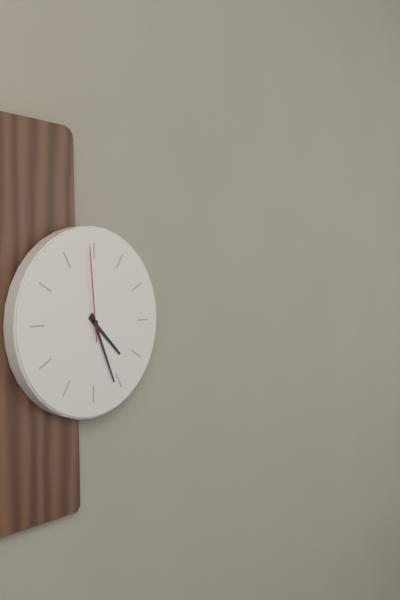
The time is 4:26:59
